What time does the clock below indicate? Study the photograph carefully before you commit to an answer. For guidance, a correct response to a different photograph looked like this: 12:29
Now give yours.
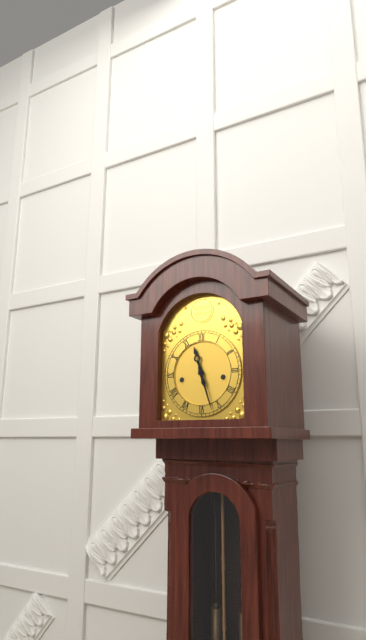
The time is 11:27
